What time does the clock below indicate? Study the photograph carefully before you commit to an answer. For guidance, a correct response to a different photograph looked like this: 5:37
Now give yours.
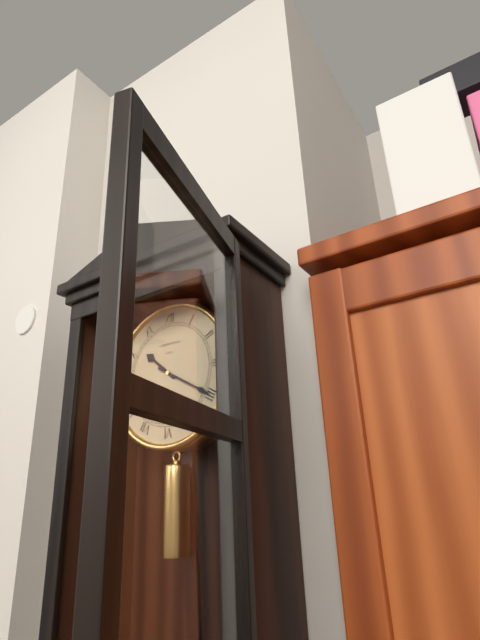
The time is 10:20
